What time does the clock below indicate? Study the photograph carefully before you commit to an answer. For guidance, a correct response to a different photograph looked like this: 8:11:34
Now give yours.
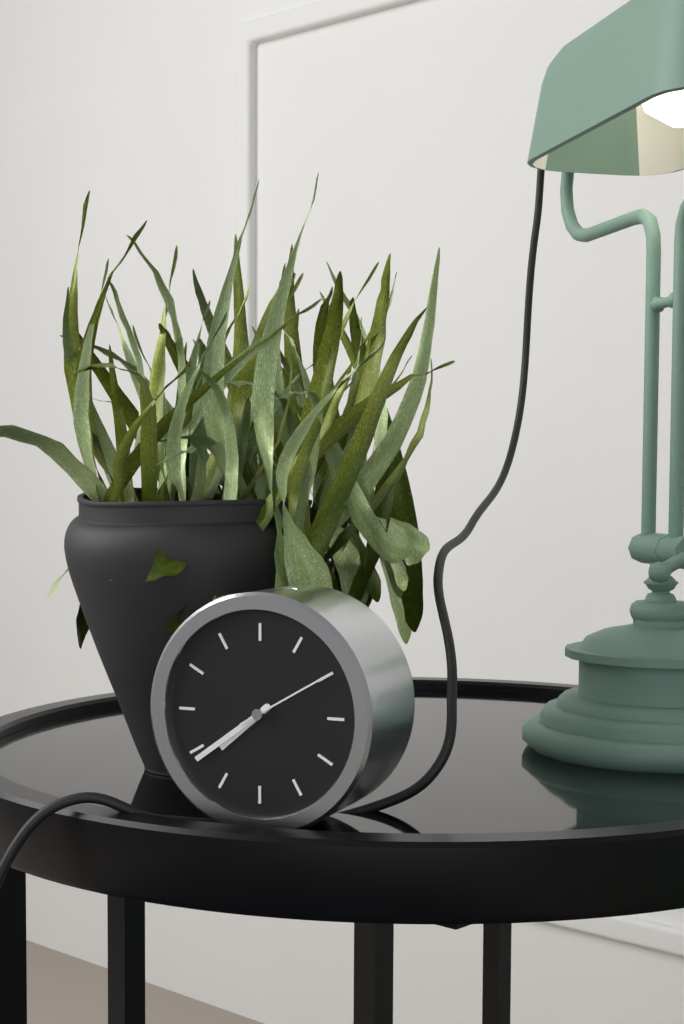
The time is 7:39:10
